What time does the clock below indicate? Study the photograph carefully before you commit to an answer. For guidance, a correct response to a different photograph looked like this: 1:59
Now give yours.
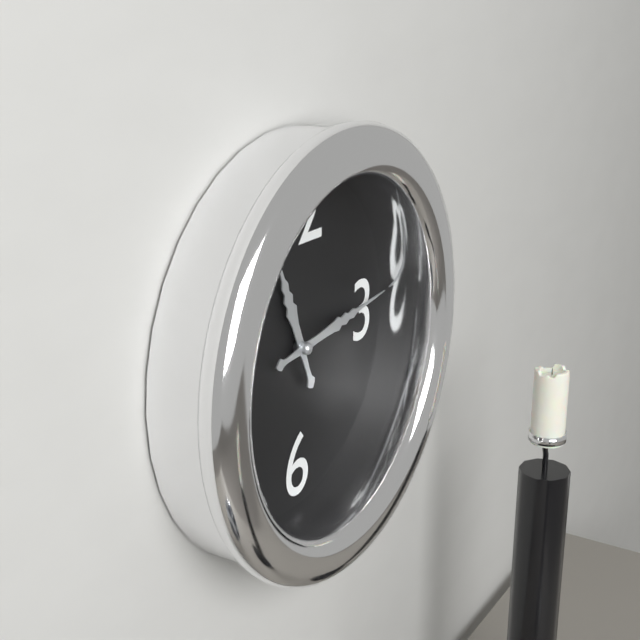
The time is 11:14
